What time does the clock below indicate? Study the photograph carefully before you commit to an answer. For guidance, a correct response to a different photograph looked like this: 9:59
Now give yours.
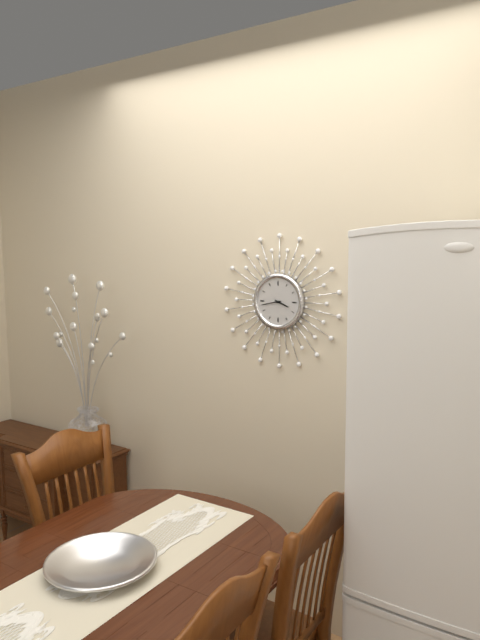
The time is 3:43
